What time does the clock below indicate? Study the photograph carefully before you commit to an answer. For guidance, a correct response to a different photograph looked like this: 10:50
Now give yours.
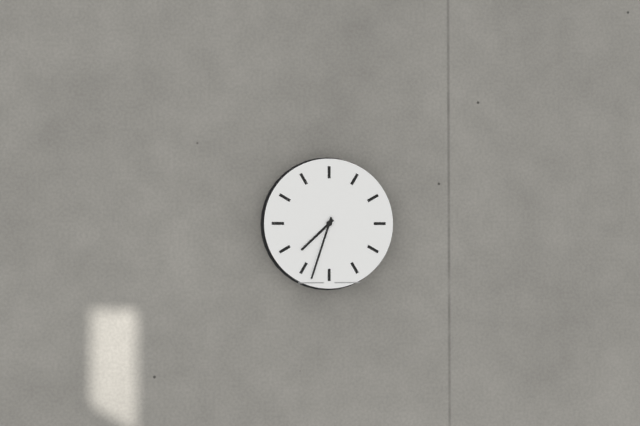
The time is 7:33
